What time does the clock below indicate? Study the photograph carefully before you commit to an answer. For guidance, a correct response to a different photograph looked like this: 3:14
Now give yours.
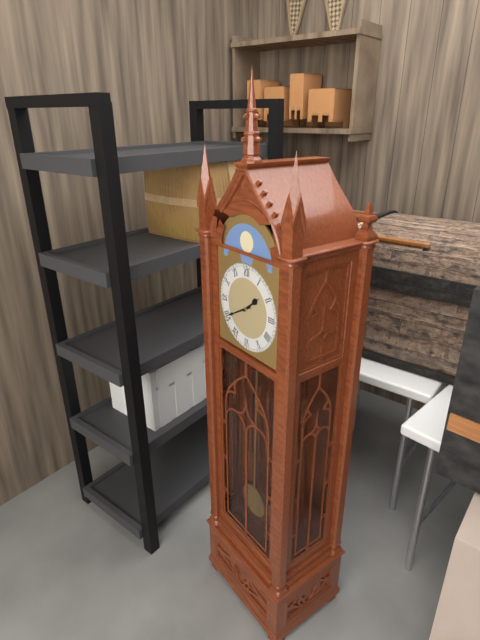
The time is 1:40
